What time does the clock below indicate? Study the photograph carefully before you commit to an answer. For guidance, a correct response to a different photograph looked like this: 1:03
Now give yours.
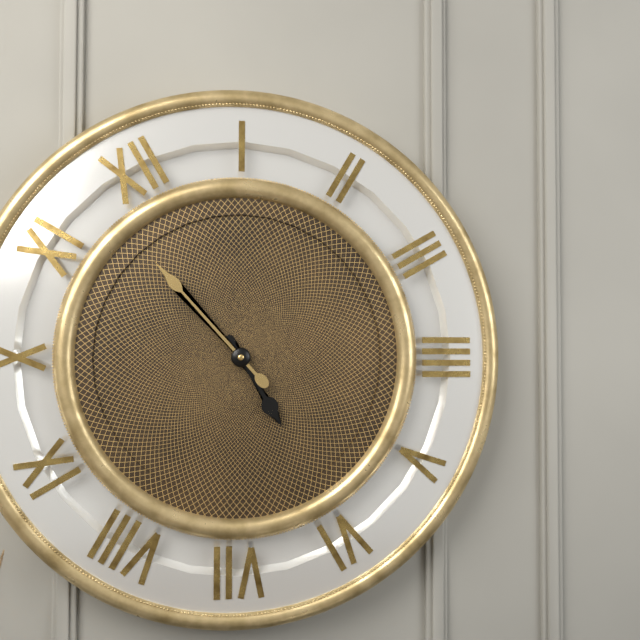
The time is 5:58
